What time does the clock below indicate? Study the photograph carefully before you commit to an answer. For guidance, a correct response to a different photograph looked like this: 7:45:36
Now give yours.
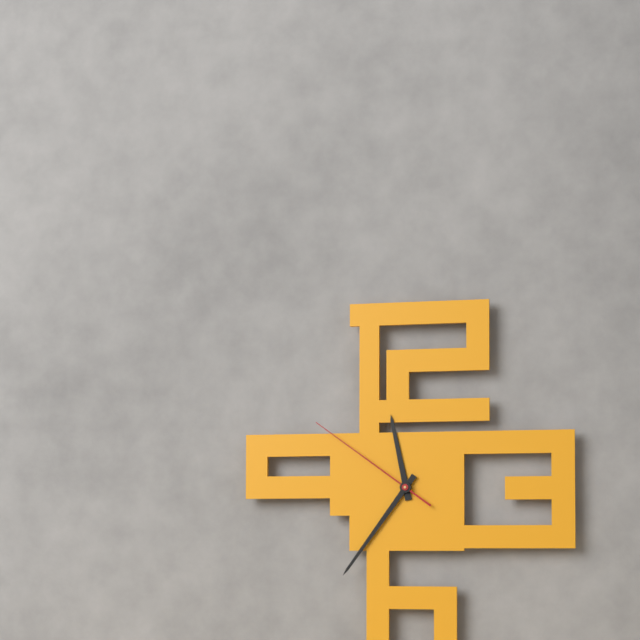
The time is 11:36:51
